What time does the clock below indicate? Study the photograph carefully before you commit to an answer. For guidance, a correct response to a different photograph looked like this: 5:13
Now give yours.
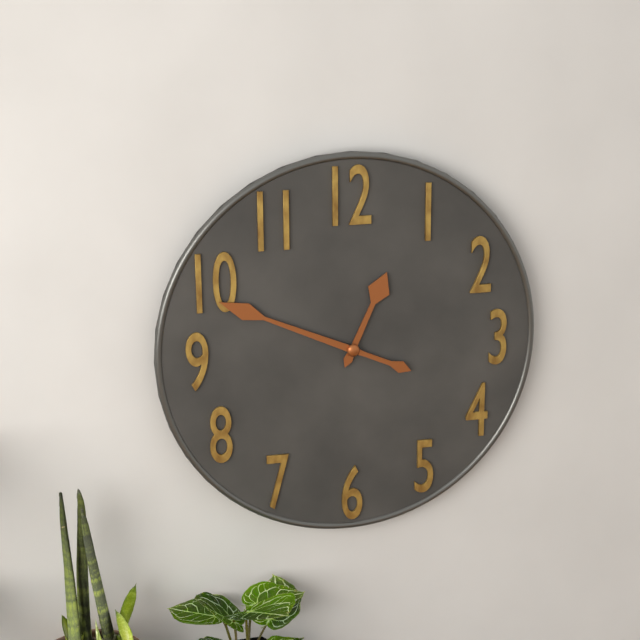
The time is 12:49
